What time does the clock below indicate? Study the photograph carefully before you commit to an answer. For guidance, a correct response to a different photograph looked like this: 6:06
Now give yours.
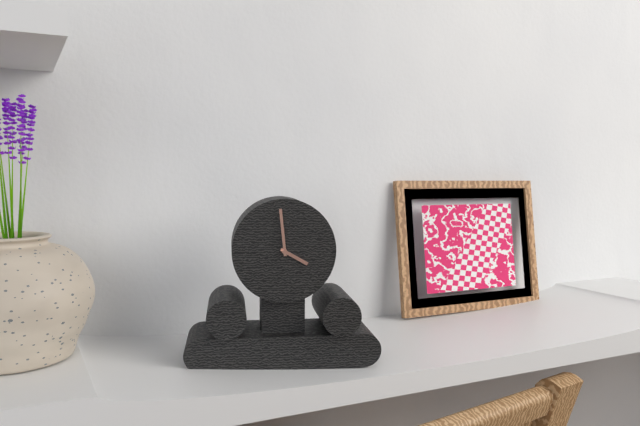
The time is 3:59
